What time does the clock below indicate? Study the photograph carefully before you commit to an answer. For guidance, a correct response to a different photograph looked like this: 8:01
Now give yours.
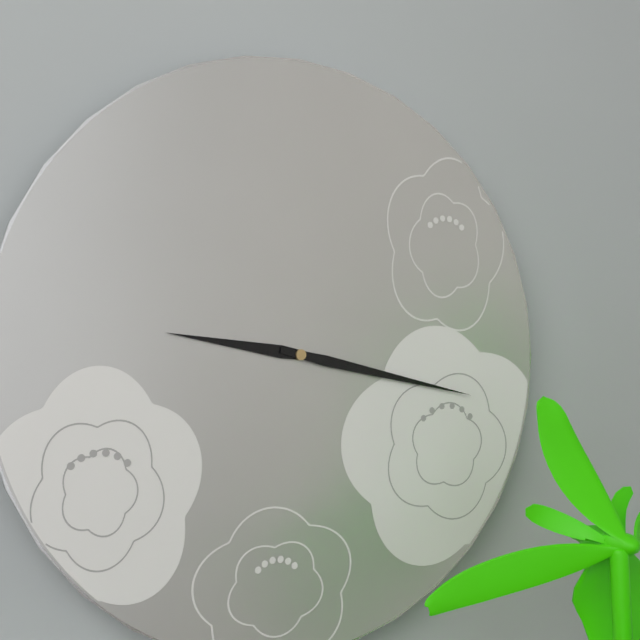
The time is 9:17
